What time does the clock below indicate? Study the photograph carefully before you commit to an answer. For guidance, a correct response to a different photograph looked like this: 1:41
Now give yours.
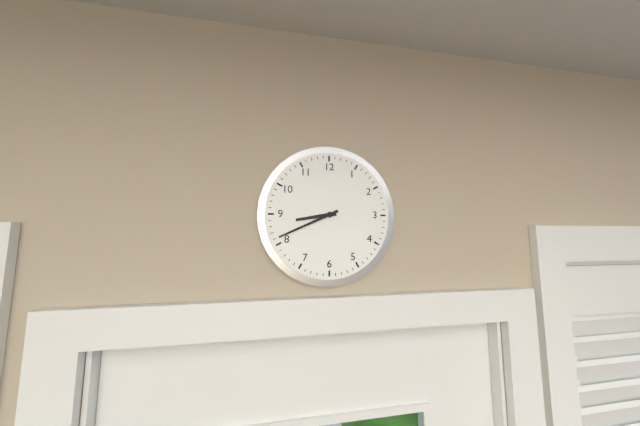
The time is 8:41
